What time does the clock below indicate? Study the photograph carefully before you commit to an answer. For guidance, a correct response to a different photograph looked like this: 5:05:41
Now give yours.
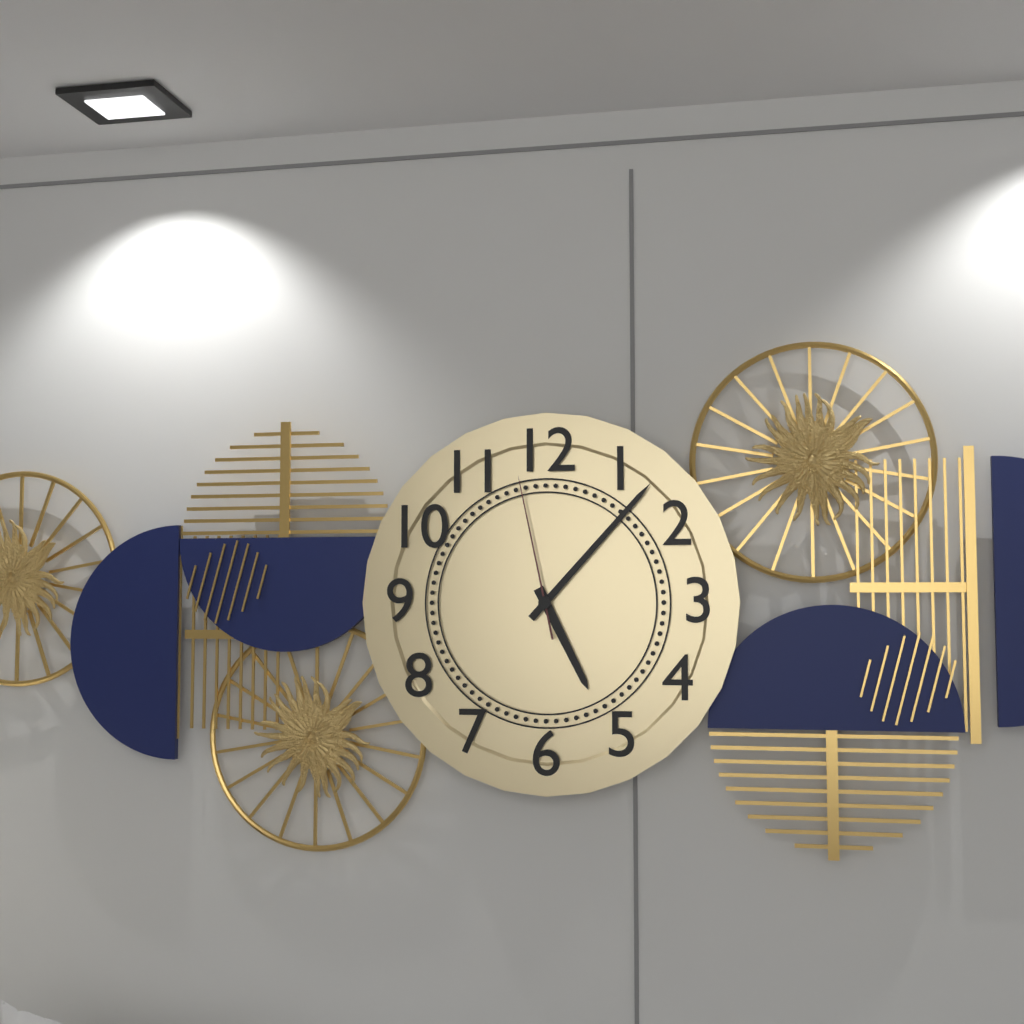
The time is 5:07:58
